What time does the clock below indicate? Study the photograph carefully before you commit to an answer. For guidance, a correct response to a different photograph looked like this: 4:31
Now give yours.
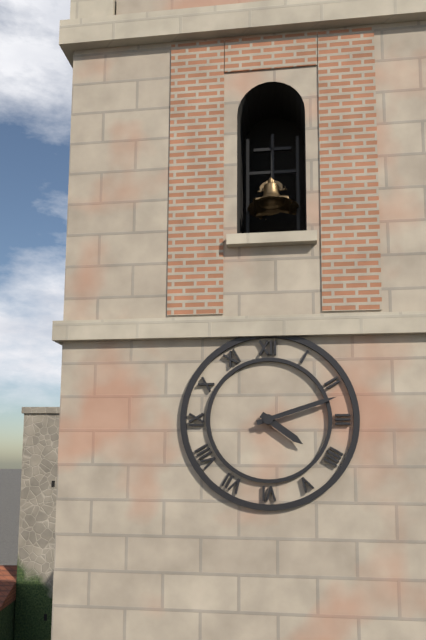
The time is 4:12
